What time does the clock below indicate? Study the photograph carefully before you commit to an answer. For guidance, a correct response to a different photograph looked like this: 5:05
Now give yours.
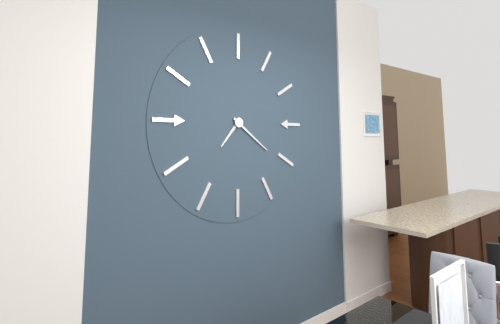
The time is 7:21
